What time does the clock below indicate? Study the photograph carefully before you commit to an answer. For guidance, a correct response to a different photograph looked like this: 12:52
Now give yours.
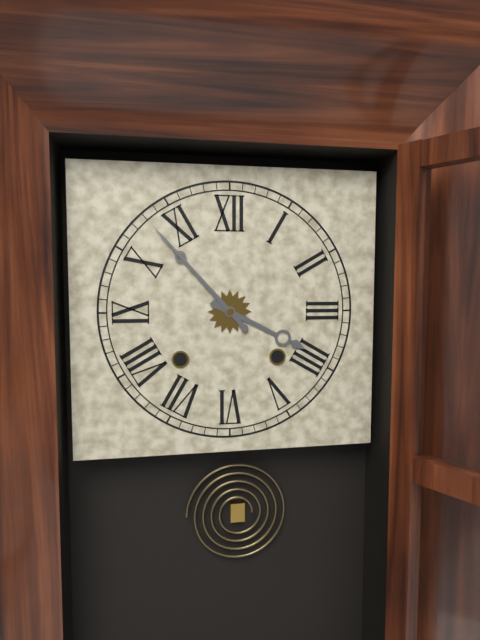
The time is 3:53
